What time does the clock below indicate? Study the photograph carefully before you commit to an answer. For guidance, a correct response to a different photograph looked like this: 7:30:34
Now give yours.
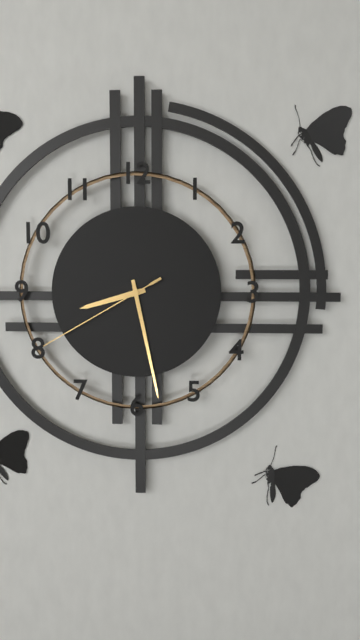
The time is 8:28:40
